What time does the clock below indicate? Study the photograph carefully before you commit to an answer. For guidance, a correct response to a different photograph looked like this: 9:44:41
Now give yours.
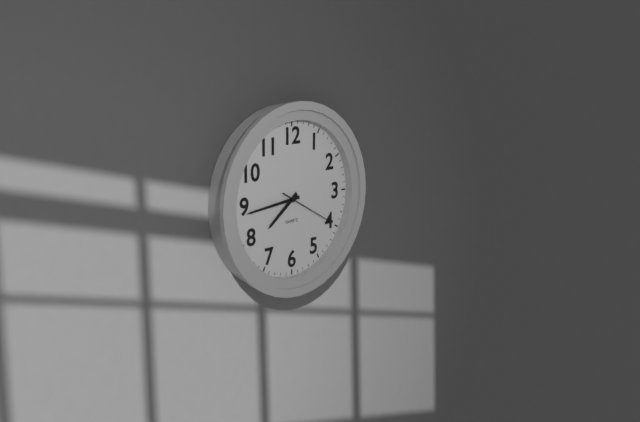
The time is 7:44:20
